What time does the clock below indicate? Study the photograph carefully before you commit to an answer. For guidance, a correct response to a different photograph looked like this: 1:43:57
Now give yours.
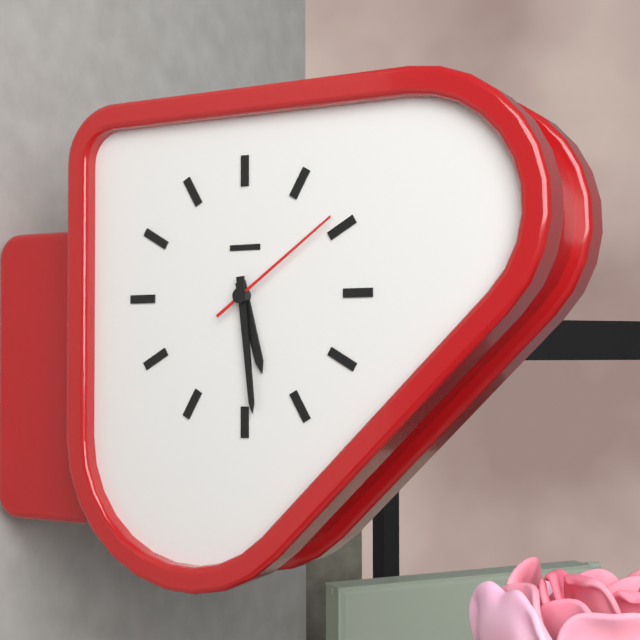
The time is 5:29:09
